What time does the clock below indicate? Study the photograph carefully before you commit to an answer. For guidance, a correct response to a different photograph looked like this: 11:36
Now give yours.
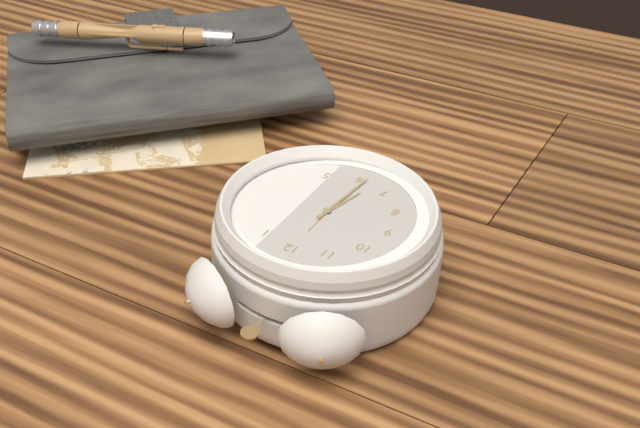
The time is 6:31
